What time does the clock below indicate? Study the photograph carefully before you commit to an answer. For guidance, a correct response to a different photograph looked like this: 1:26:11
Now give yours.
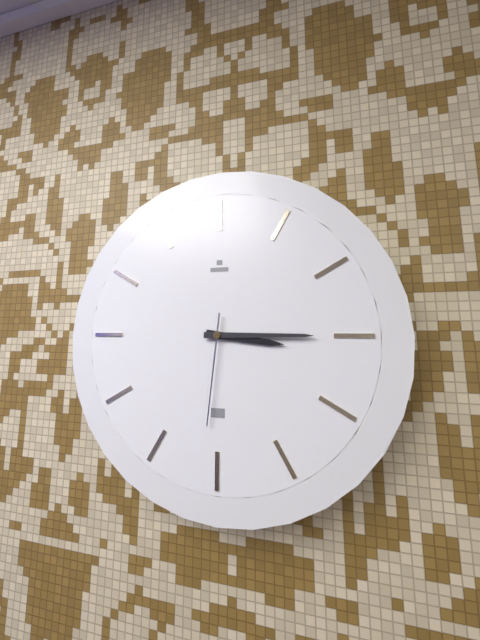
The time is 3:15:31
